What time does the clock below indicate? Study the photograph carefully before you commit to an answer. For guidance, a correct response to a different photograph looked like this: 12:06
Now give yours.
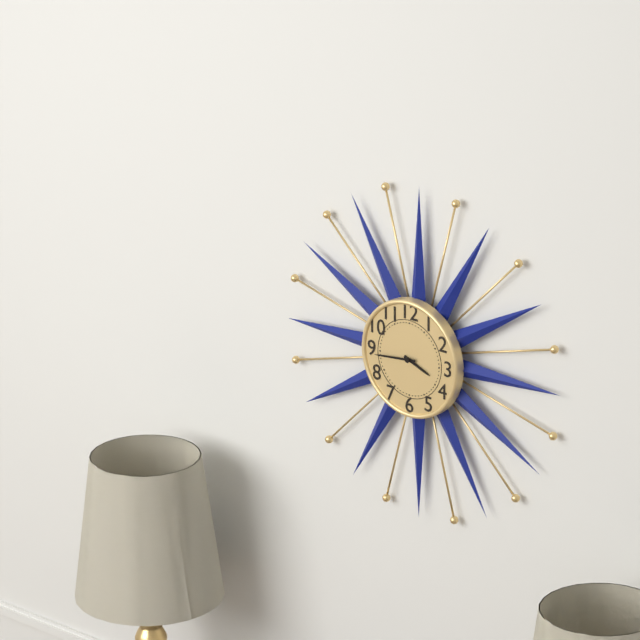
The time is 3:44
